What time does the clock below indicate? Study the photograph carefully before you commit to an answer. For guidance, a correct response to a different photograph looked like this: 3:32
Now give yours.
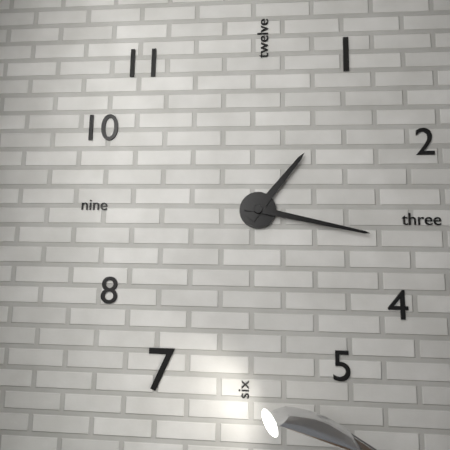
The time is 1:17
